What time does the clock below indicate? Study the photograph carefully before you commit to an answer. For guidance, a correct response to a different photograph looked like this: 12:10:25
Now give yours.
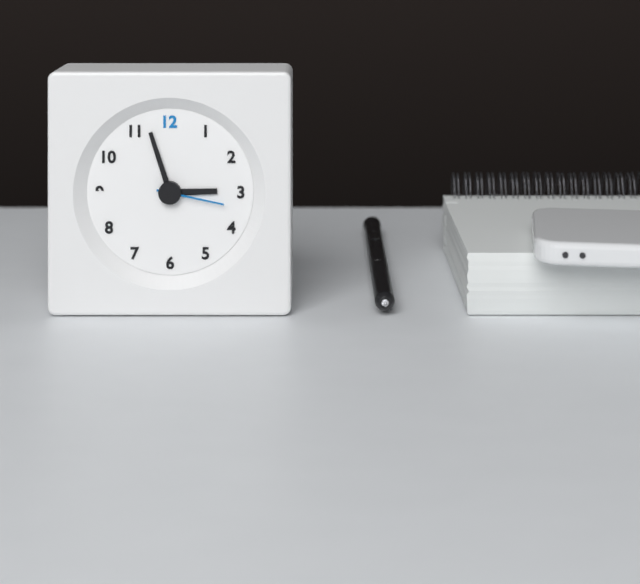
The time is 2:57:17
